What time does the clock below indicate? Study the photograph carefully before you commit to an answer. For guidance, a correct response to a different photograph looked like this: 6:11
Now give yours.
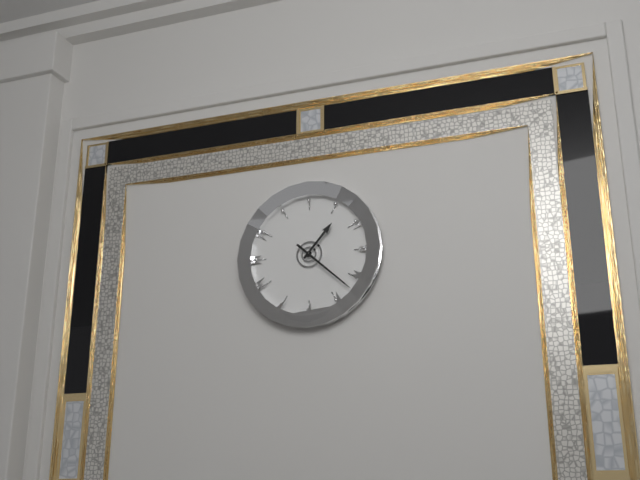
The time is 1:22
